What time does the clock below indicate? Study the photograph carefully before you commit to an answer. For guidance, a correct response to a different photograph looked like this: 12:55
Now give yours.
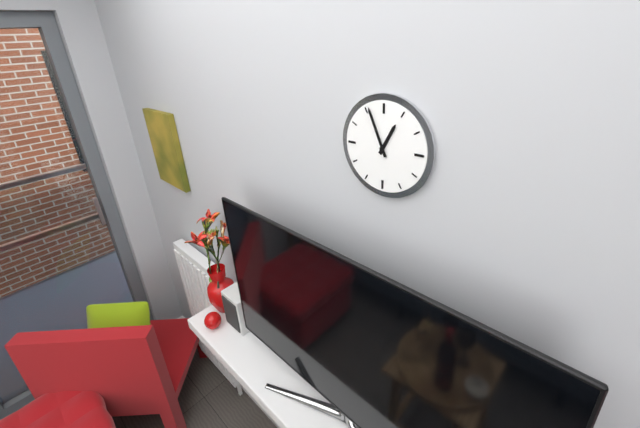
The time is 12:56
